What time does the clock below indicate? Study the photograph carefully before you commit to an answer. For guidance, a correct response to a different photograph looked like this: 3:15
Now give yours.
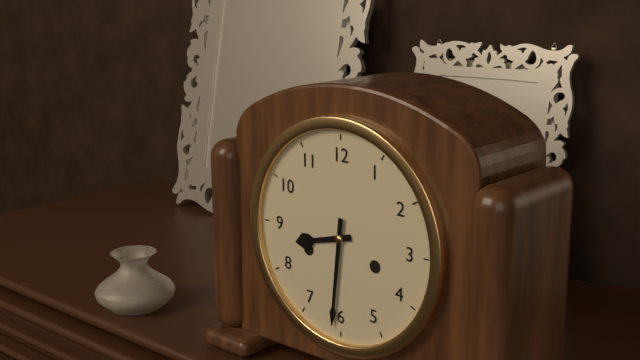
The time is 8:31
